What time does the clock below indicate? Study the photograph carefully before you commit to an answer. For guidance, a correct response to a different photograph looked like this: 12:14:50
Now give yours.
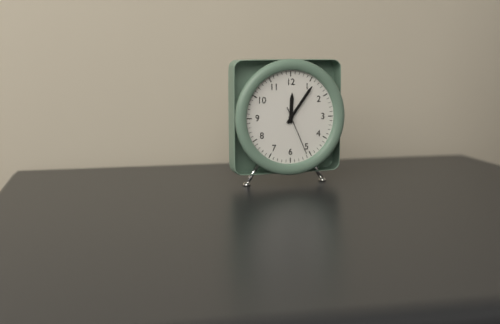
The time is 12:06:26
